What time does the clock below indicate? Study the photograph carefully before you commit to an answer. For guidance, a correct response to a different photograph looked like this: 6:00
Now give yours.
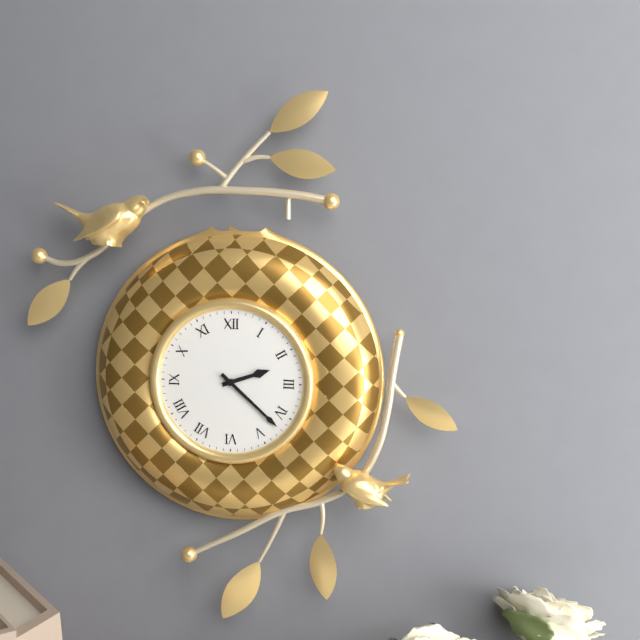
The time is 2:22
